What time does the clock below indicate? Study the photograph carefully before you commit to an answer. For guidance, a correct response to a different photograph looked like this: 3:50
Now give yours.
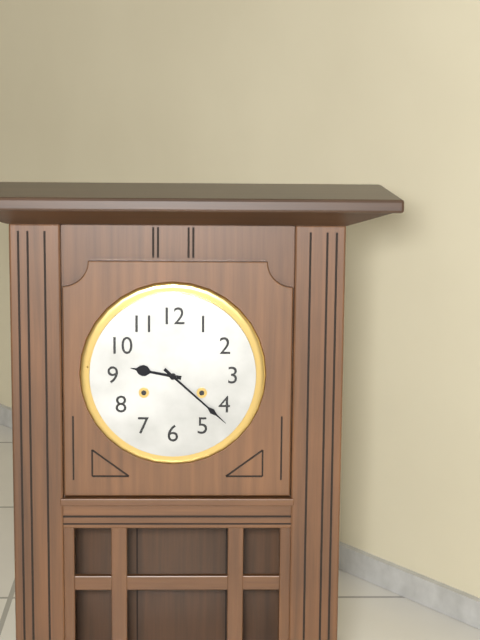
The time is 9:22
